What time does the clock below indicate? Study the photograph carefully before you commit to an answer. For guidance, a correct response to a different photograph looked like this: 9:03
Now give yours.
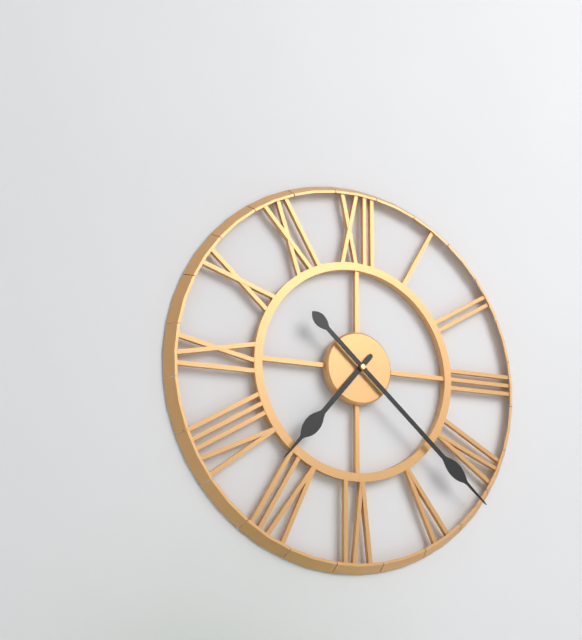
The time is 7:22
